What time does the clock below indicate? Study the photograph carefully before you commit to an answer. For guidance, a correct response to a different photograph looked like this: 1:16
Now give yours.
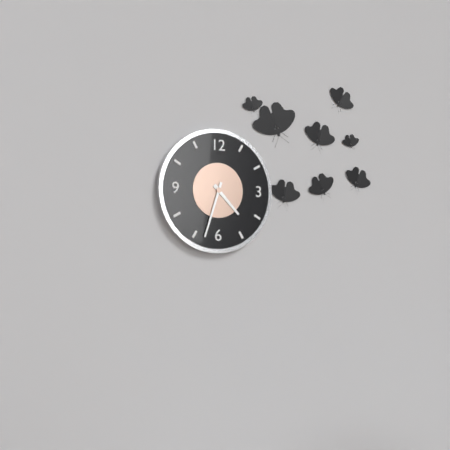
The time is 4:33
